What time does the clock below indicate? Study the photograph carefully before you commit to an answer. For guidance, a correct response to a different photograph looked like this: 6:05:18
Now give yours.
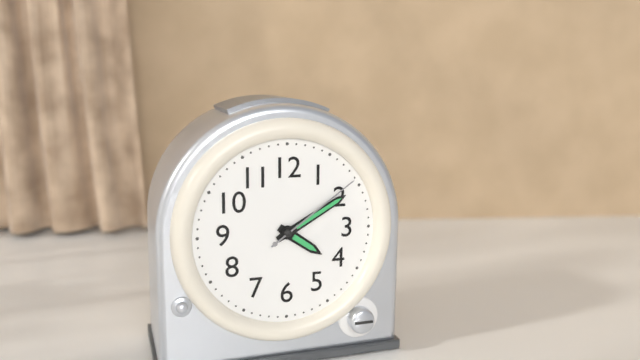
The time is 4:10:09
